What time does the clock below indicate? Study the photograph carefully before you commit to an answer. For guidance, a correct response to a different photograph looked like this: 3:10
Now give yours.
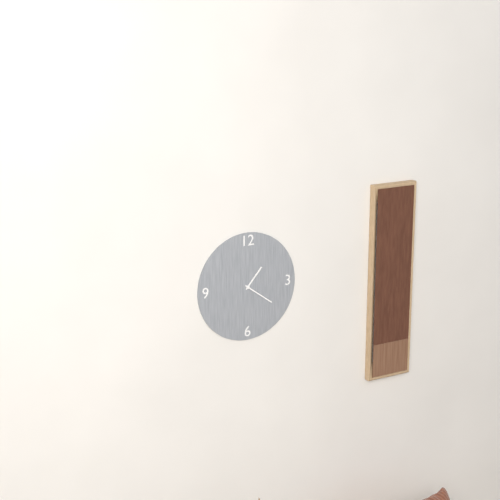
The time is 1:21
